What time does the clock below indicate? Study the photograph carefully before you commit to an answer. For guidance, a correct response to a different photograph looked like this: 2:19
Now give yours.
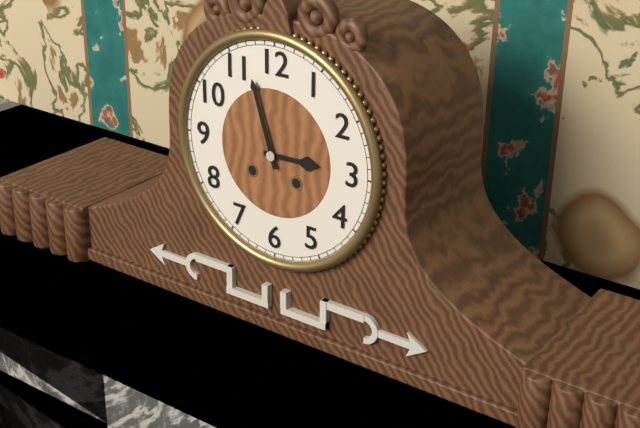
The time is 2:57
